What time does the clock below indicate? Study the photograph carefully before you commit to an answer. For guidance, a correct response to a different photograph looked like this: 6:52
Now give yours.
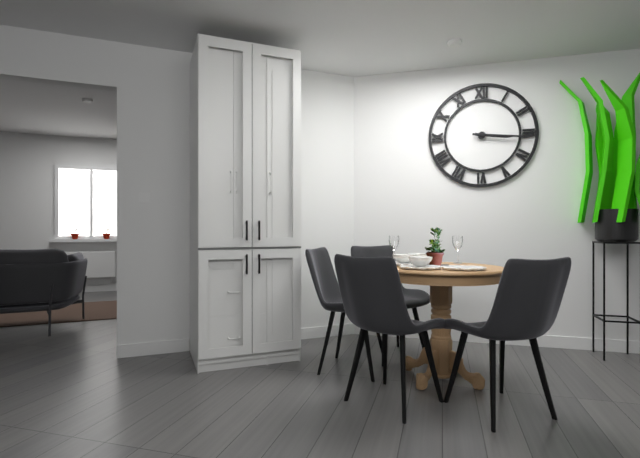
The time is 3:16
